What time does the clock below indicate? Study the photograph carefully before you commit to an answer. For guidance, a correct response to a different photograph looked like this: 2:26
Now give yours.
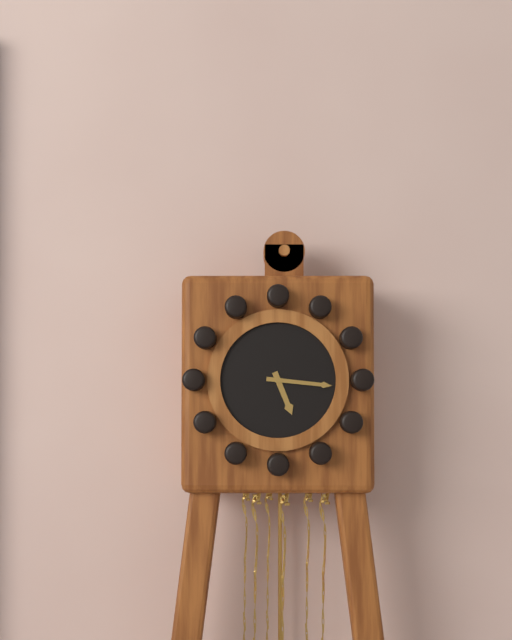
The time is 5:16
